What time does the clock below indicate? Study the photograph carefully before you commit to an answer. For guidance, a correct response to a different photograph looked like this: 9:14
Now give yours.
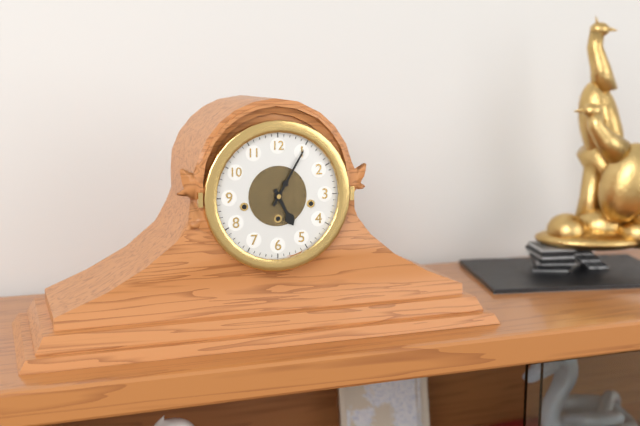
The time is 5:05
